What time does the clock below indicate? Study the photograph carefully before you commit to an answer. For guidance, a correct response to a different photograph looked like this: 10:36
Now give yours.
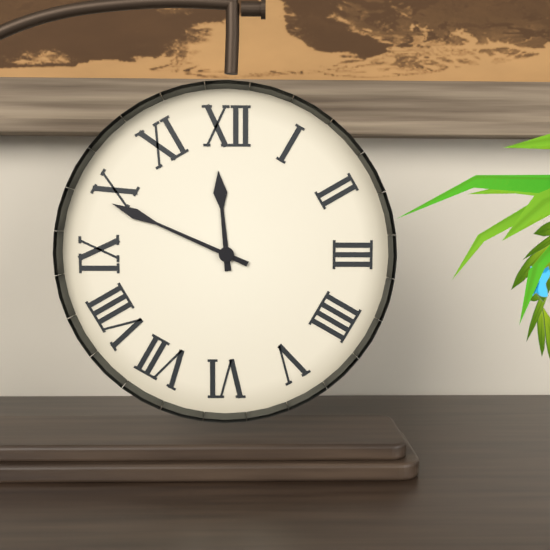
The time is 11:49
